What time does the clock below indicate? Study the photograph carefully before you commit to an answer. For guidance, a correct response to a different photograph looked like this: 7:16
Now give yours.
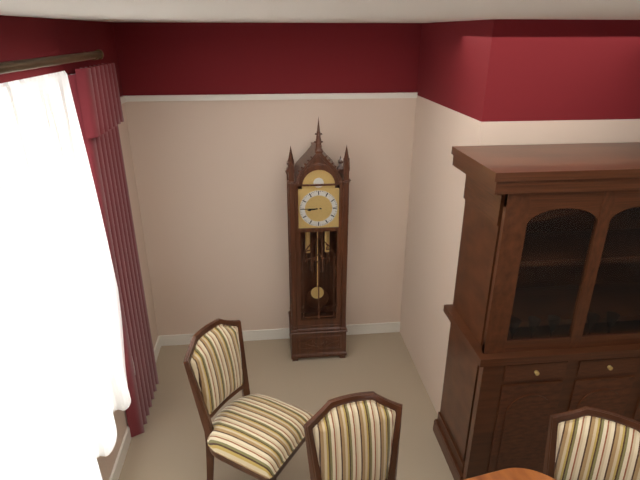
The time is 8:45
